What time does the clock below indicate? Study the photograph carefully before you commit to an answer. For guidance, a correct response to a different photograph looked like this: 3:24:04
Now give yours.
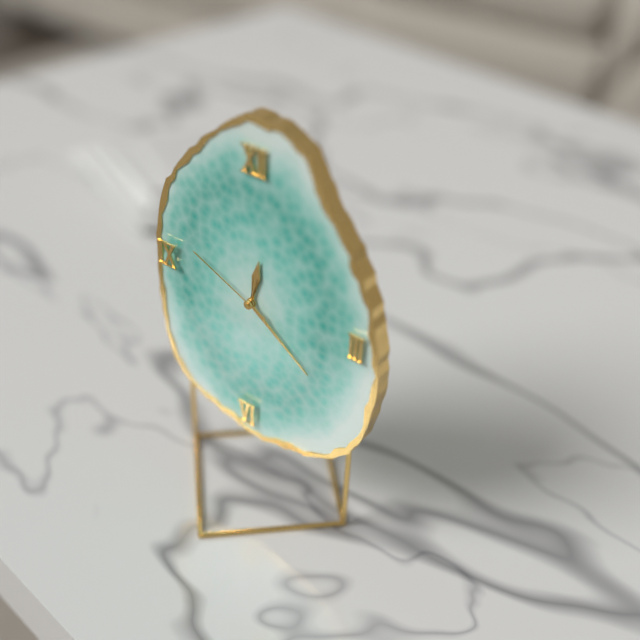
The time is 12:21:49
